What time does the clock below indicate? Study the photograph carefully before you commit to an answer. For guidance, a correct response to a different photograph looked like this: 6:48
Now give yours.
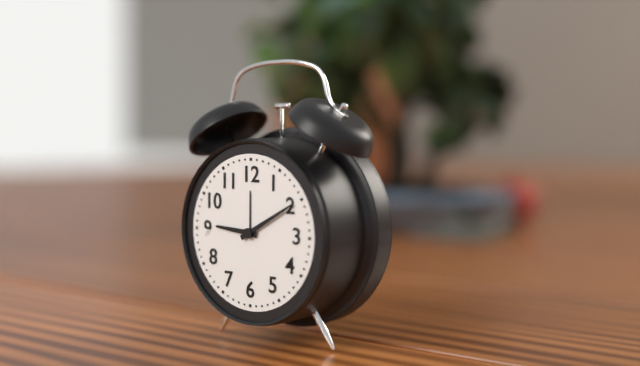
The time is 9:10
